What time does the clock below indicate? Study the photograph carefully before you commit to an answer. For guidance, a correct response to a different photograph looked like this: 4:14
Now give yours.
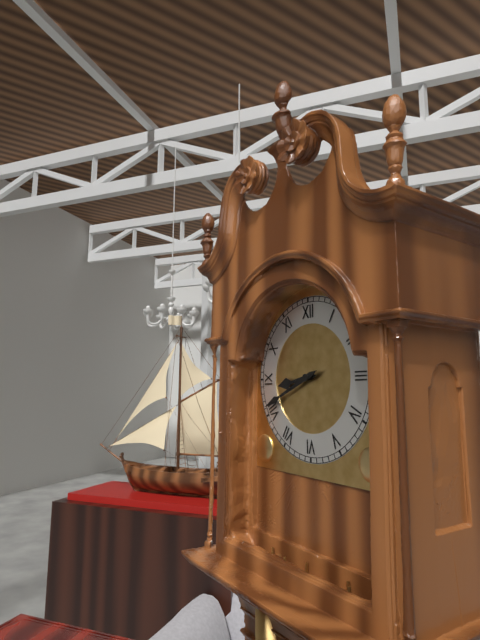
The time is 8:41
